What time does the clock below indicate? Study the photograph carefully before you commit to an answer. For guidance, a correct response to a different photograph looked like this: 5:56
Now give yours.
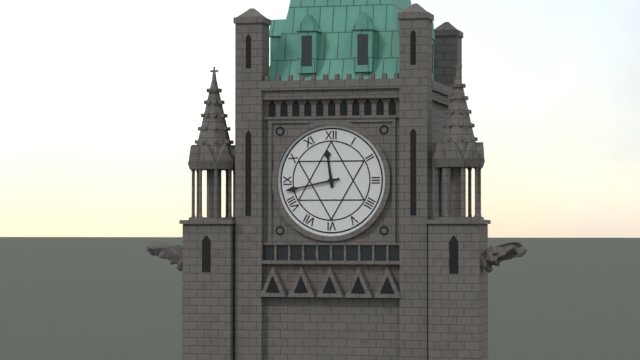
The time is 11:43
